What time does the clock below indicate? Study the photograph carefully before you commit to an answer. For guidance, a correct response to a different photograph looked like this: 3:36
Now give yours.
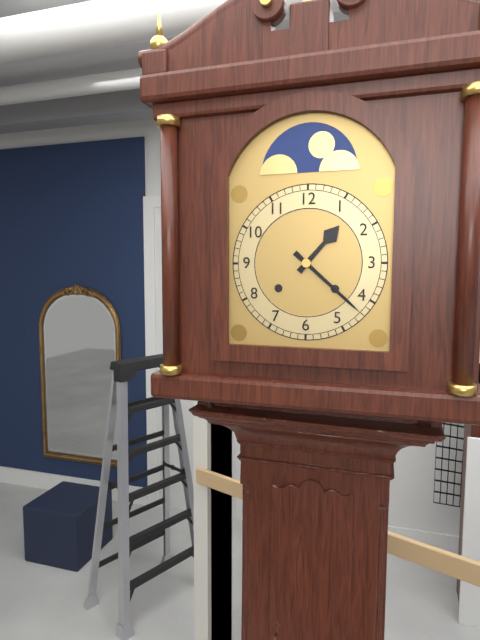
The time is 1:22
